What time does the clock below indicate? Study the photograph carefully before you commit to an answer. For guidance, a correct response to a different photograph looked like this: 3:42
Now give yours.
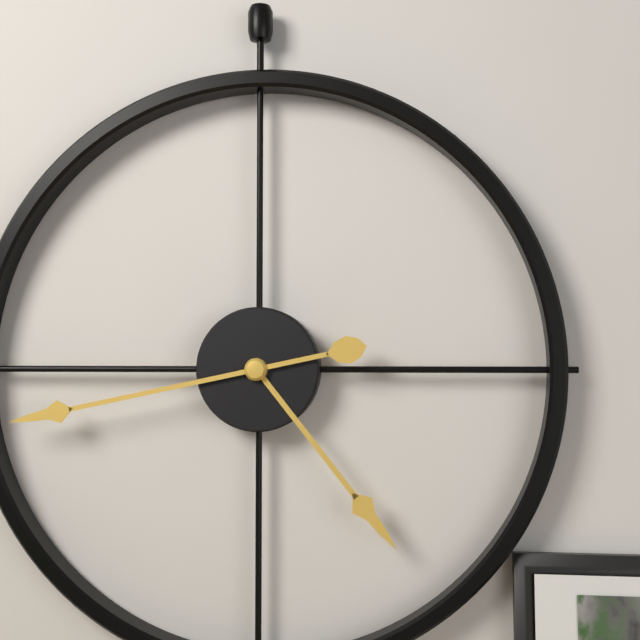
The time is 4:43
